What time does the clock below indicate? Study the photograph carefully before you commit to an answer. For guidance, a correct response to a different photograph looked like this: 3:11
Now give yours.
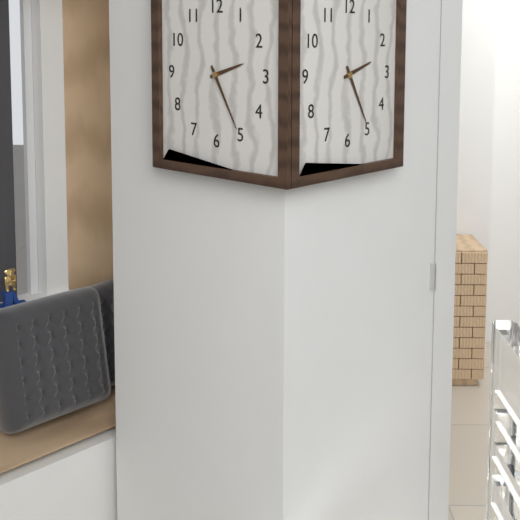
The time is 2:25
